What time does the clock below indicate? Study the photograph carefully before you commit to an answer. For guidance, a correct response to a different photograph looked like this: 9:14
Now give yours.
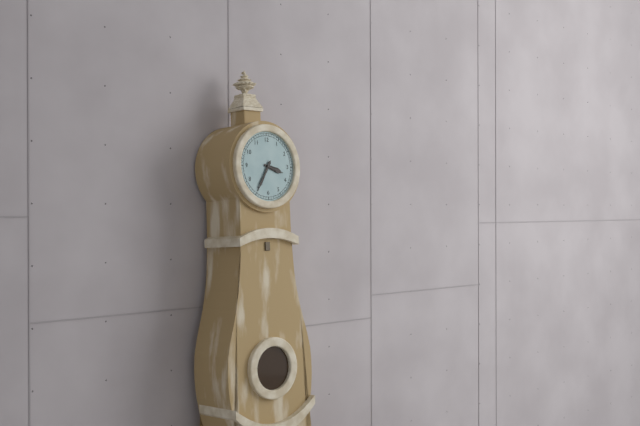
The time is 3:35
